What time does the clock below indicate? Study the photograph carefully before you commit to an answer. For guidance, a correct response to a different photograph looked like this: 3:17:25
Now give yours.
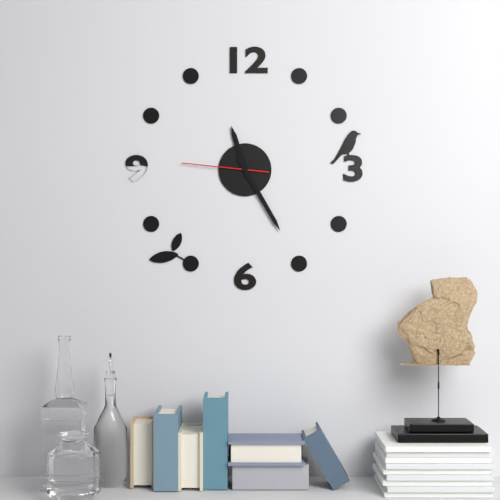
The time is 11:25:46
